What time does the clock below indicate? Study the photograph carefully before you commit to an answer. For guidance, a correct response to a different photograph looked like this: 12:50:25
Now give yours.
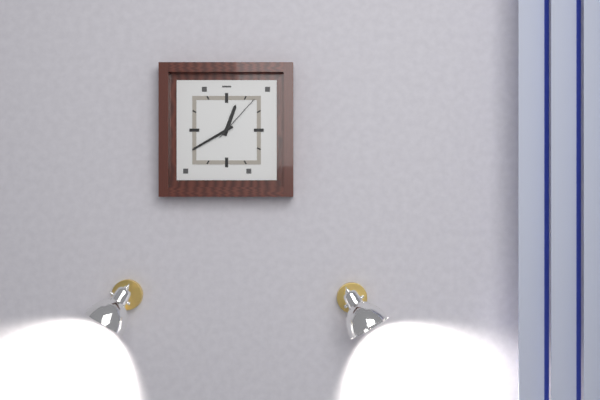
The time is 12:40:07
